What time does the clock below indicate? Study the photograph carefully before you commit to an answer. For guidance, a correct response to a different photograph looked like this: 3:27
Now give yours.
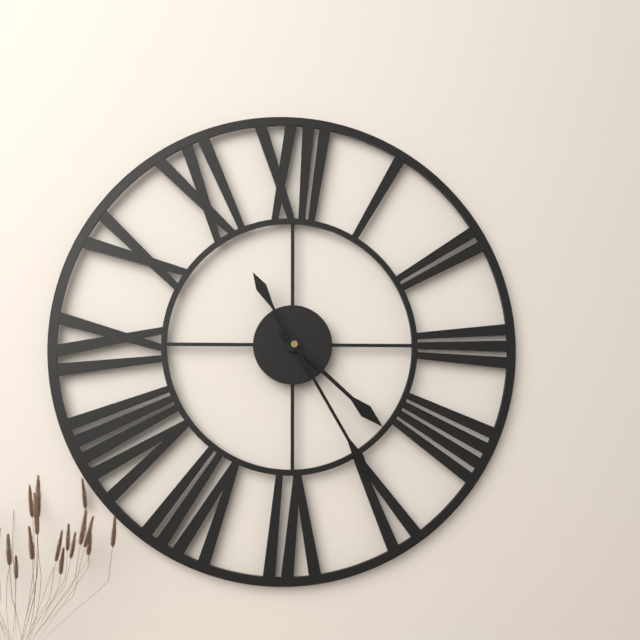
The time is 4:25
